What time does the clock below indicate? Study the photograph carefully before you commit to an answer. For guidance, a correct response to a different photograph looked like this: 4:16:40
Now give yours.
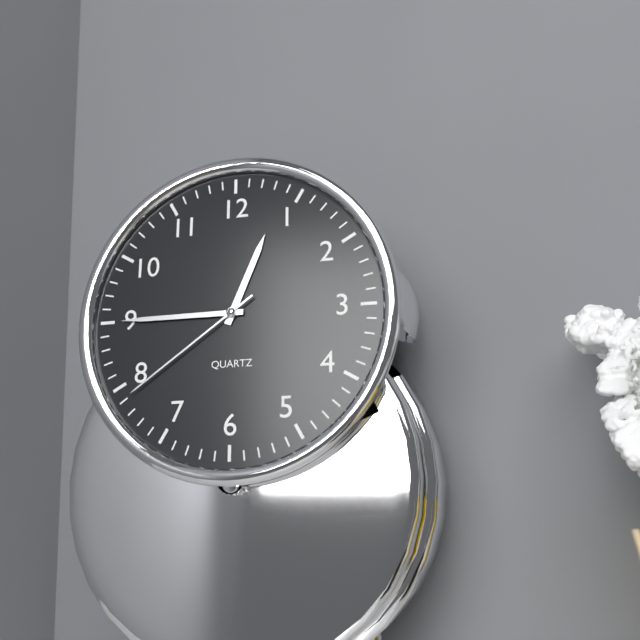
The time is 12:45:39
